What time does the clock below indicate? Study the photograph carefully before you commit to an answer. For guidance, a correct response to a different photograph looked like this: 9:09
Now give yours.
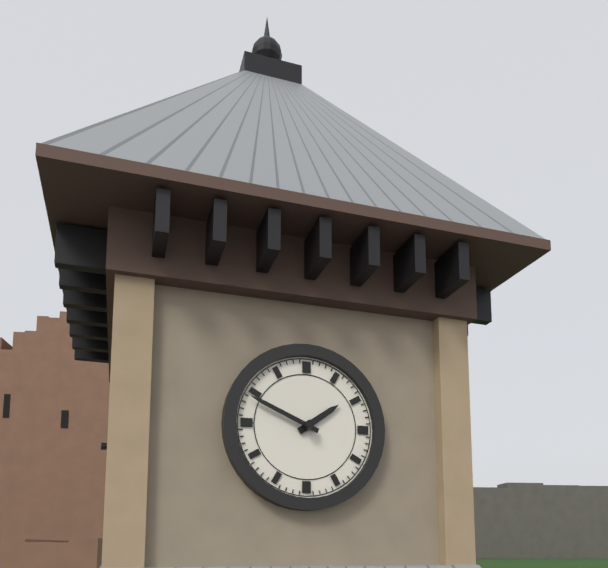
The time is 1:49
